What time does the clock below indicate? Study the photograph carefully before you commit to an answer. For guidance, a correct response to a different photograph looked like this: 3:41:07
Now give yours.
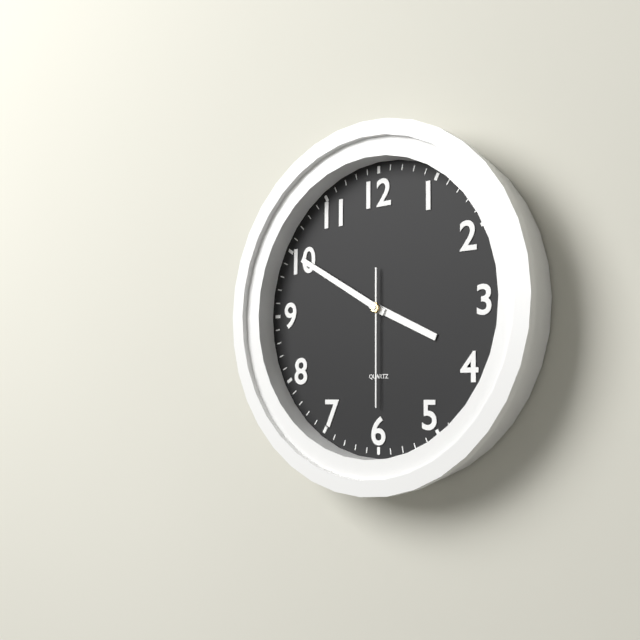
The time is 3:50:30
